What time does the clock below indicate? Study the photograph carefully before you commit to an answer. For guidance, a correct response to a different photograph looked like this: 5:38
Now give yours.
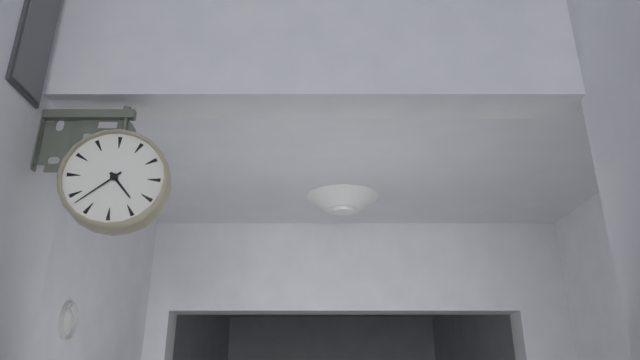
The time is 4:38
